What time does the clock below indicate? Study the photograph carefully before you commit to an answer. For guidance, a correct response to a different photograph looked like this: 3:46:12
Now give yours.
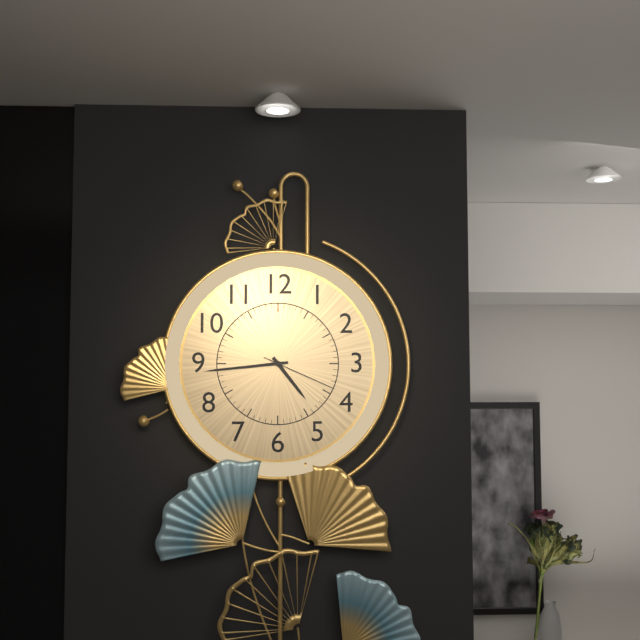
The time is 4:44:19
